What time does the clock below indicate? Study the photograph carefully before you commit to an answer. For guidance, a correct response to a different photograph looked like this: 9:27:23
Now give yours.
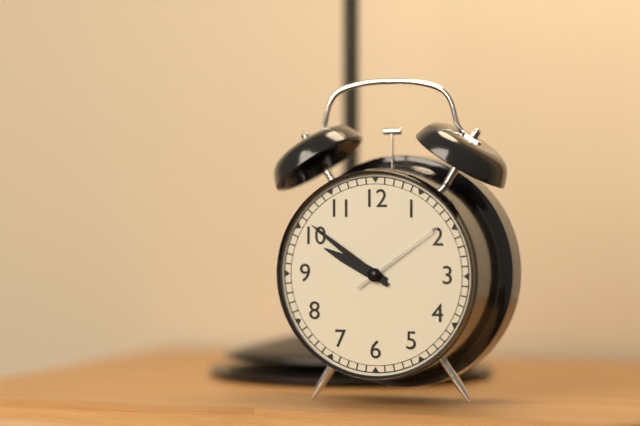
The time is 9:51:09
